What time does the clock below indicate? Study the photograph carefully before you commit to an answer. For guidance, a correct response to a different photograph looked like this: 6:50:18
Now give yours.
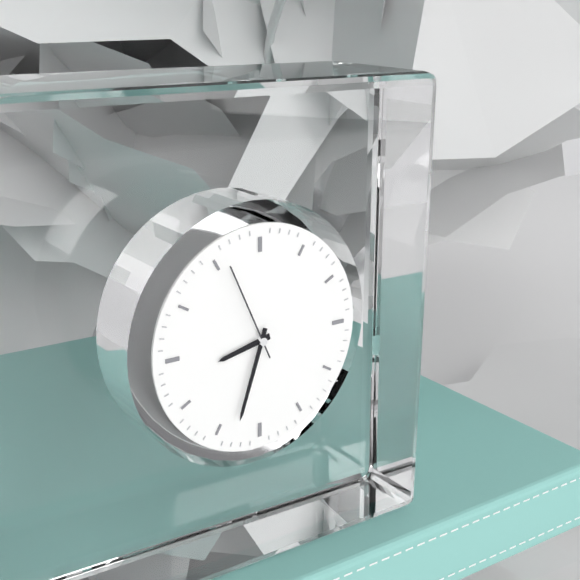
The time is 8:33:56
